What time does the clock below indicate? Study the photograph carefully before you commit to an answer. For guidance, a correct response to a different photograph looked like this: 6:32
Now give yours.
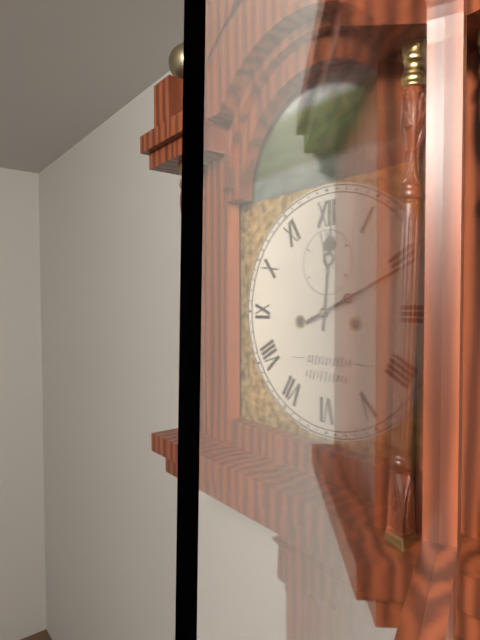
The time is 12:11
